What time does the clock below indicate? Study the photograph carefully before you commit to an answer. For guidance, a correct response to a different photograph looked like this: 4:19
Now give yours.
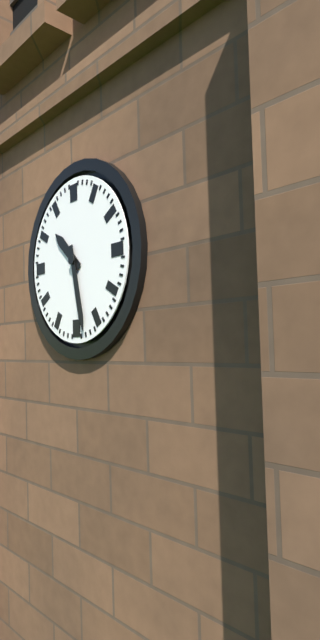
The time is 10:28
